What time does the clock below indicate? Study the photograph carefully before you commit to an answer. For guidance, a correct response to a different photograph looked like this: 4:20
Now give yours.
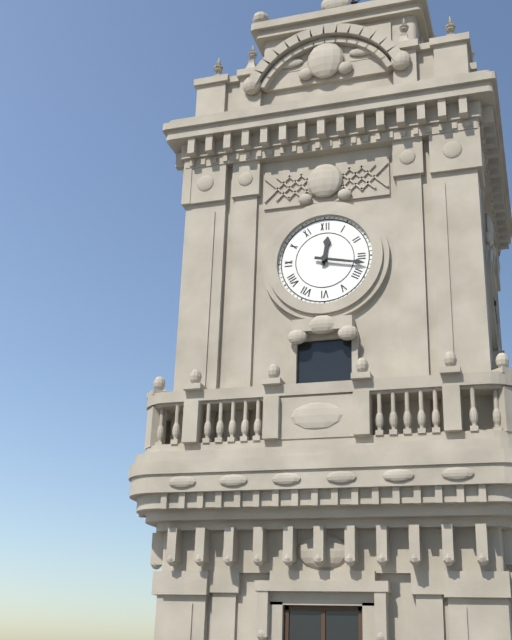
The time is 12:17
